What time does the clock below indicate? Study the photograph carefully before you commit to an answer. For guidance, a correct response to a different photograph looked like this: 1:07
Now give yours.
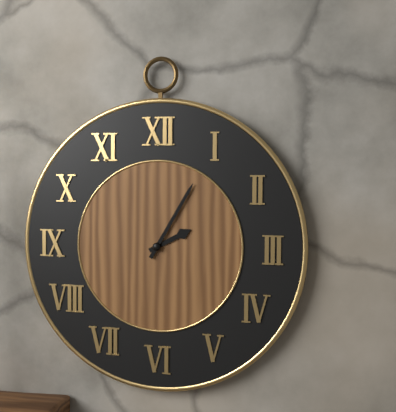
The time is 2:05
